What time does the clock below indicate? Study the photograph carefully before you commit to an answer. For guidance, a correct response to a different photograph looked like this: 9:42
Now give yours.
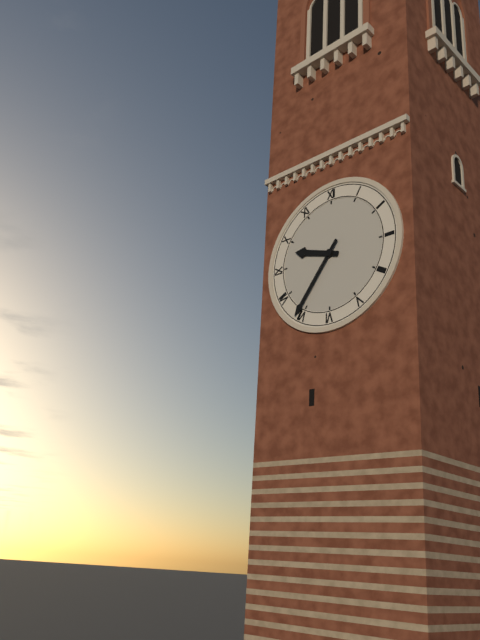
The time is 9:36
